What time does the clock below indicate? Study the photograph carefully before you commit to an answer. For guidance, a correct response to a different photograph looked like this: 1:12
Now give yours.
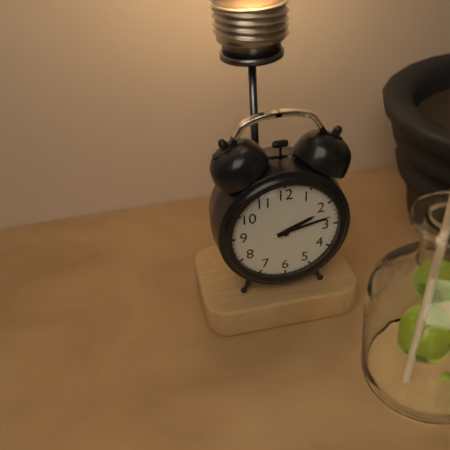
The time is 2:13
